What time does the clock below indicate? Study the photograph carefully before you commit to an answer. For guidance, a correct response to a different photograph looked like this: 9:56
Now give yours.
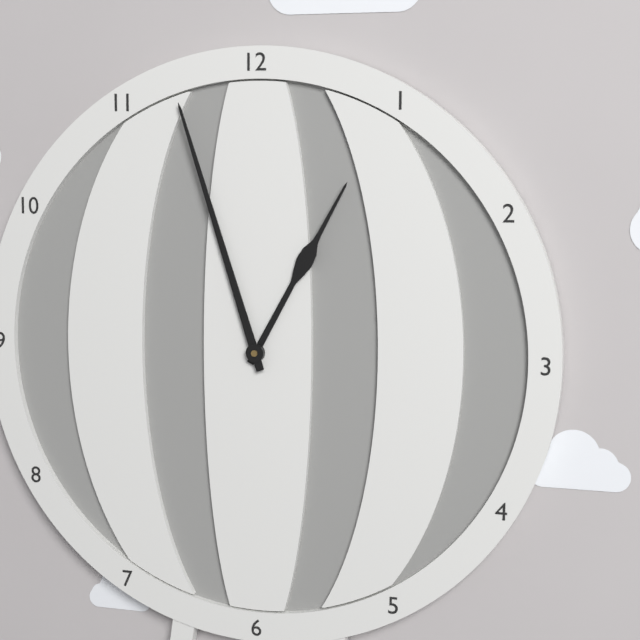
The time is 12:57
